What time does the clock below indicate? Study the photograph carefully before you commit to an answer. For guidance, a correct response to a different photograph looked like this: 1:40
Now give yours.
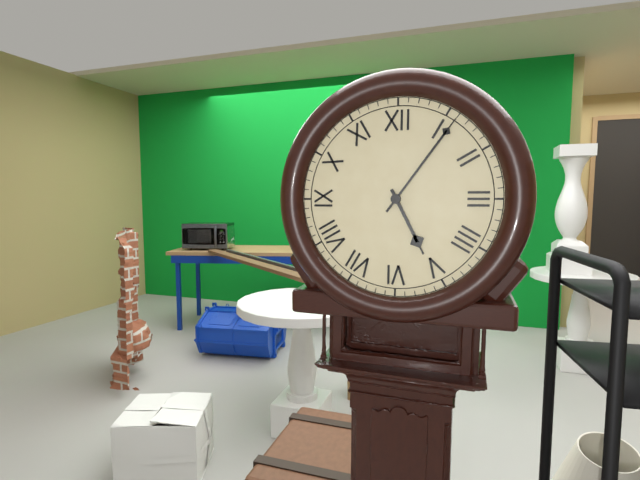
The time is 5:06
